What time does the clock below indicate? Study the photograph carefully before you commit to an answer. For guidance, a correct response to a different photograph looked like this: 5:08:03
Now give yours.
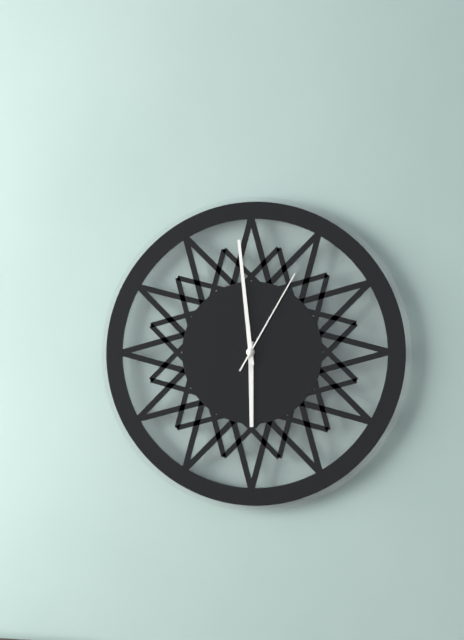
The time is 5:59:05
